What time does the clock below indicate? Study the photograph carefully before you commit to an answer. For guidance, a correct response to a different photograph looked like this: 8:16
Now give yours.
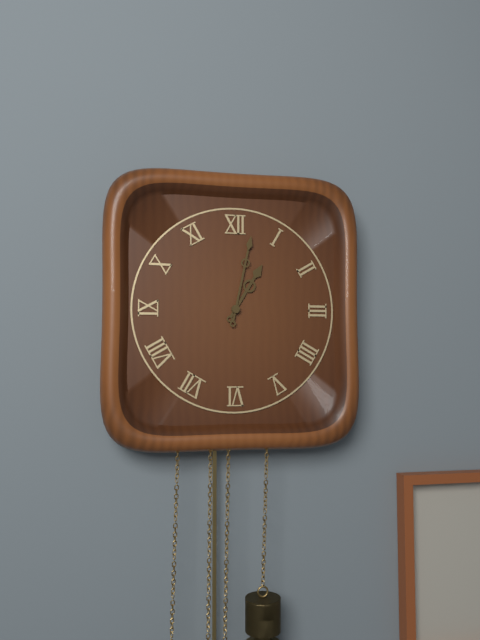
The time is 1:02
